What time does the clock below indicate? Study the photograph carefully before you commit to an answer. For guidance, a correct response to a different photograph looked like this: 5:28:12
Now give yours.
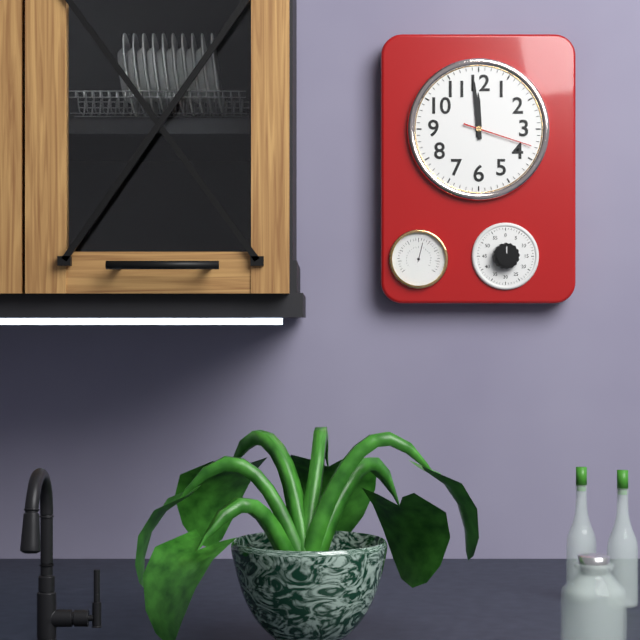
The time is 11:59:18
